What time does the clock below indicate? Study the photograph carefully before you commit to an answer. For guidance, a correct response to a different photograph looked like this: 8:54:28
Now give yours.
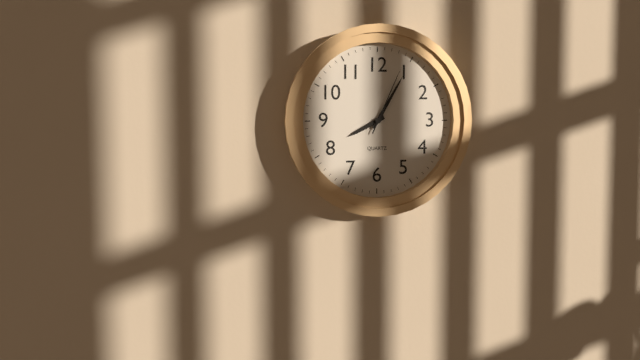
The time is 8:05:04
